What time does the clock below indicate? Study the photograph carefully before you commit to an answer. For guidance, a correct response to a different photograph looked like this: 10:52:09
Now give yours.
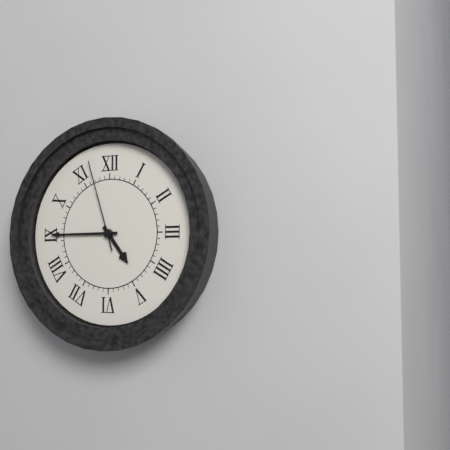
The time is 4:45:57
